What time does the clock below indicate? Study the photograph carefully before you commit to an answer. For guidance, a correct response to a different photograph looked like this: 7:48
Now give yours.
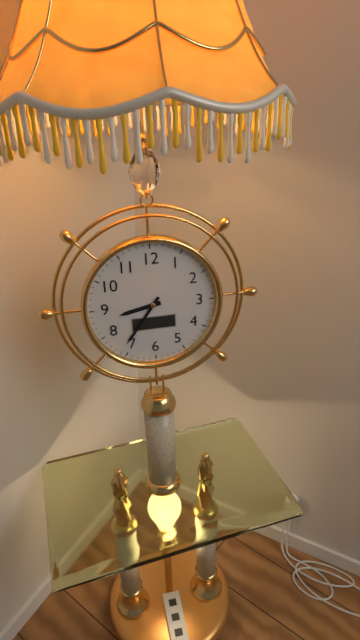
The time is 8:36
